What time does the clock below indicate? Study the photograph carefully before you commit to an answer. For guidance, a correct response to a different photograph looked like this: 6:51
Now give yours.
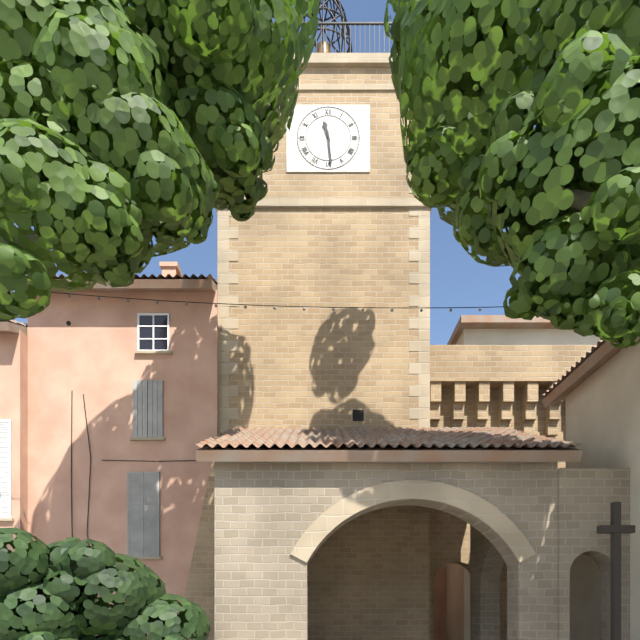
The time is 11:29
